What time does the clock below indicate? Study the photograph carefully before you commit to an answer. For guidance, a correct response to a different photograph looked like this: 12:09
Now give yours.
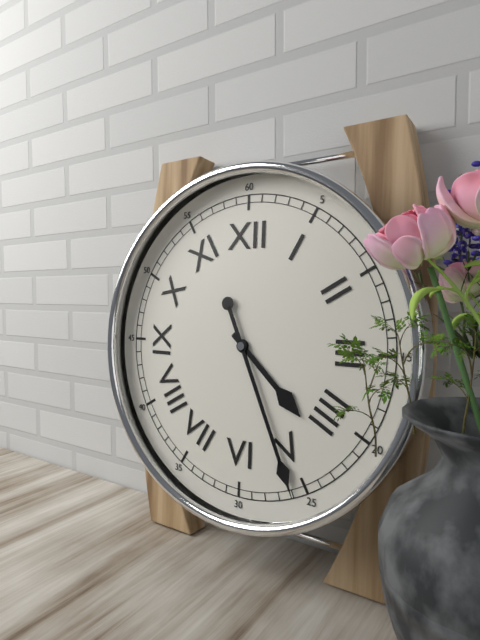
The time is 4:26
